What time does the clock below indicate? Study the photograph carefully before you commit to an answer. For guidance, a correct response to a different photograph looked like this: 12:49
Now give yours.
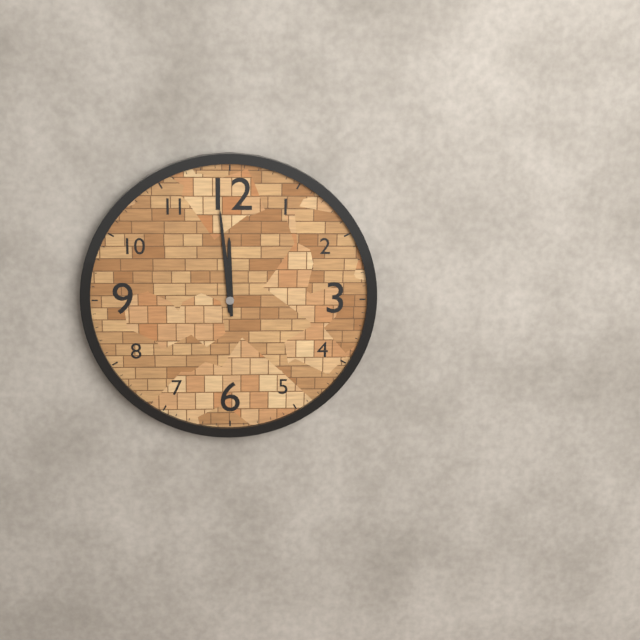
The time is 11:59
